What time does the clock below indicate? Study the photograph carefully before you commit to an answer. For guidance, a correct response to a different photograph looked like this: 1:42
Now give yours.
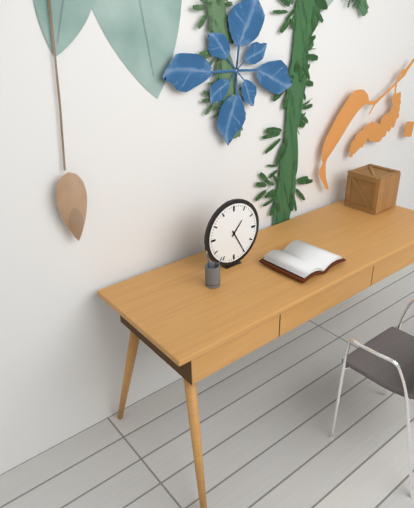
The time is 1:25
